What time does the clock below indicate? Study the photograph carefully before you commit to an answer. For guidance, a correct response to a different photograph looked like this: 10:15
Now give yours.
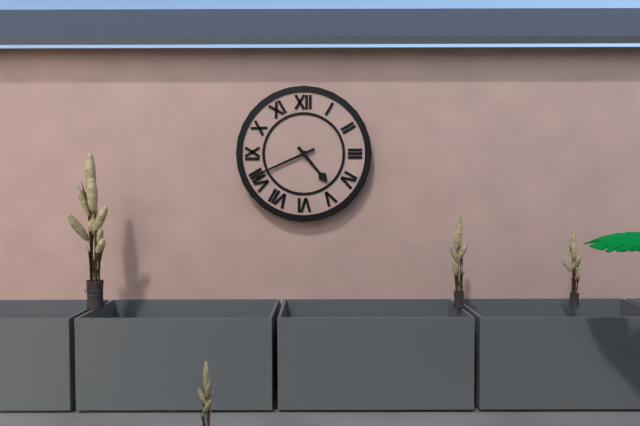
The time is 4:41
